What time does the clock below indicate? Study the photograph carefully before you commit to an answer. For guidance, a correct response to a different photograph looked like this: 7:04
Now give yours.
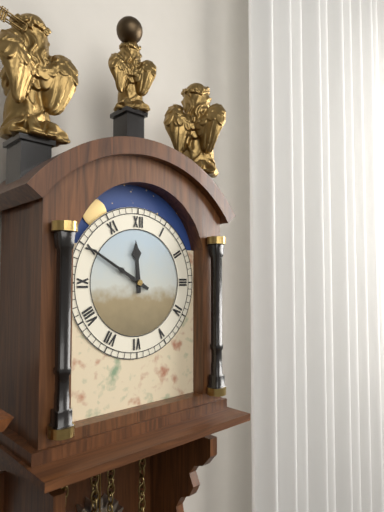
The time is 11:50
